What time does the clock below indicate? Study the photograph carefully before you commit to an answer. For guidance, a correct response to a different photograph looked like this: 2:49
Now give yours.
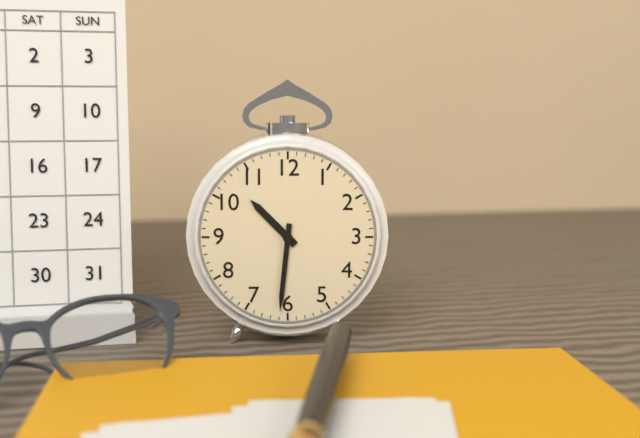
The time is 10:31
